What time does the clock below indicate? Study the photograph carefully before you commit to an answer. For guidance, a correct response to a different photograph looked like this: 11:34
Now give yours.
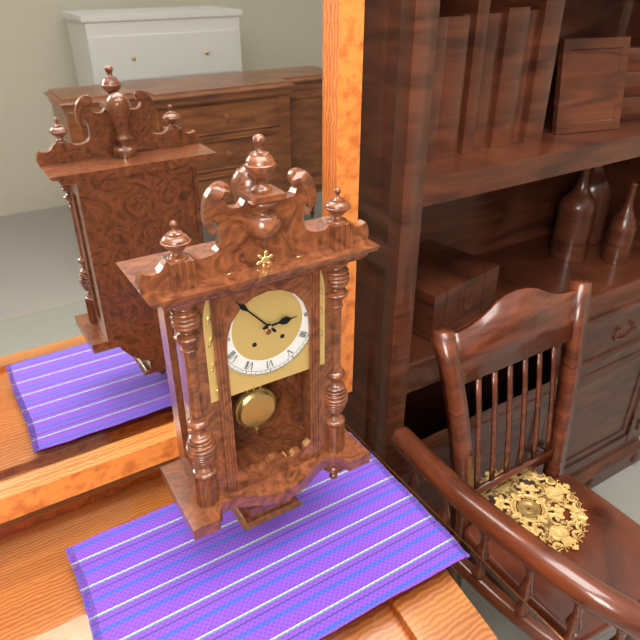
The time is 2:53
